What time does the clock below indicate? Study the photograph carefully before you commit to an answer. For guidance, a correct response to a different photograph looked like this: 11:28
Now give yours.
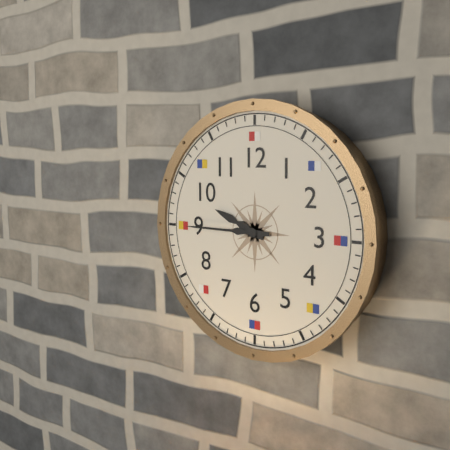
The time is 9:45
